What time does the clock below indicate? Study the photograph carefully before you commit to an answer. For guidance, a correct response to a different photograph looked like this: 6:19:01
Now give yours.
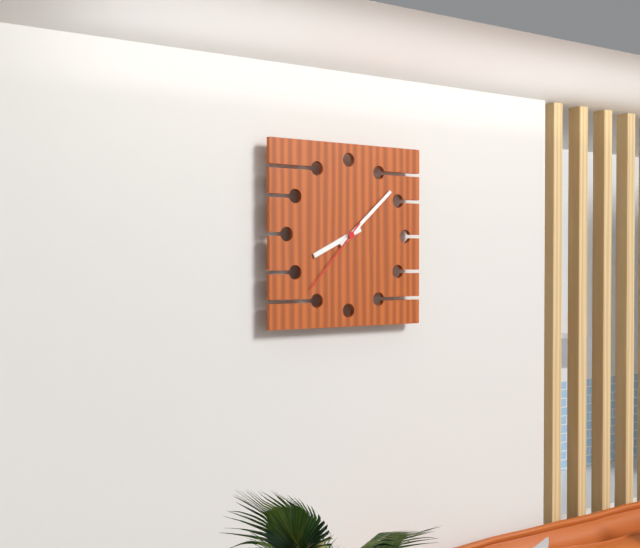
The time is 8:08:37
